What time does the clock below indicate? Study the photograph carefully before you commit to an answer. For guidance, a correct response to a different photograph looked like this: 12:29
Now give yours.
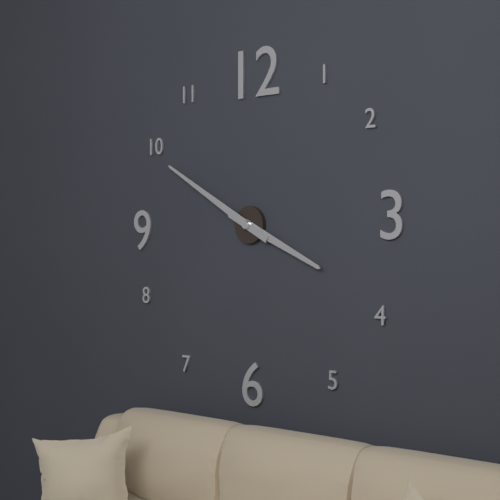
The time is 3:50
